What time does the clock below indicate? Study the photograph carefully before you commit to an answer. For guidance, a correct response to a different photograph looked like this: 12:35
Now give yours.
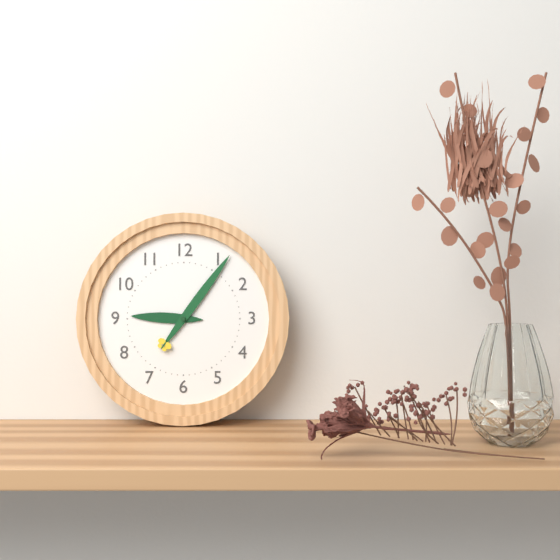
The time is 9:06
